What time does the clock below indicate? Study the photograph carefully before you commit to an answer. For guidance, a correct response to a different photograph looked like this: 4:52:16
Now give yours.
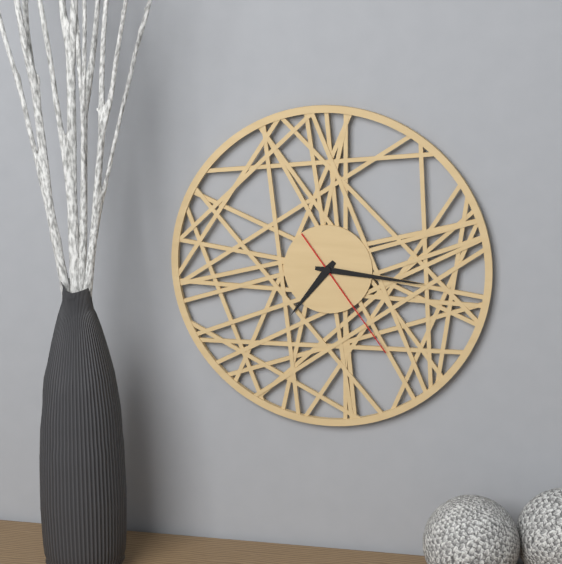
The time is 7:16:24
